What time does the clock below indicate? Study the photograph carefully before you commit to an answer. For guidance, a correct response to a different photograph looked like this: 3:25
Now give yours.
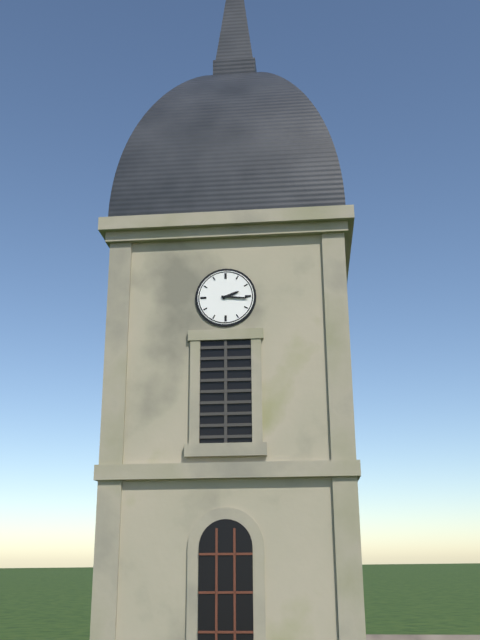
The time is 2:16
